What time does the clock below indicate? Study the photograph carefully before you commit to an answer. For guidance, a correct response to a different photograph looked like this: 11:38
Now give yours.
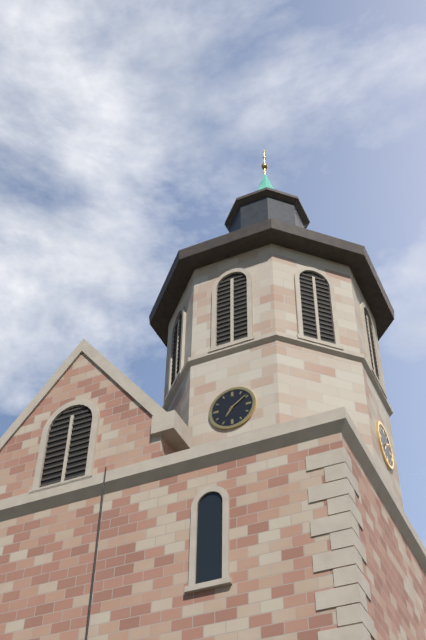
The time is 7:09
